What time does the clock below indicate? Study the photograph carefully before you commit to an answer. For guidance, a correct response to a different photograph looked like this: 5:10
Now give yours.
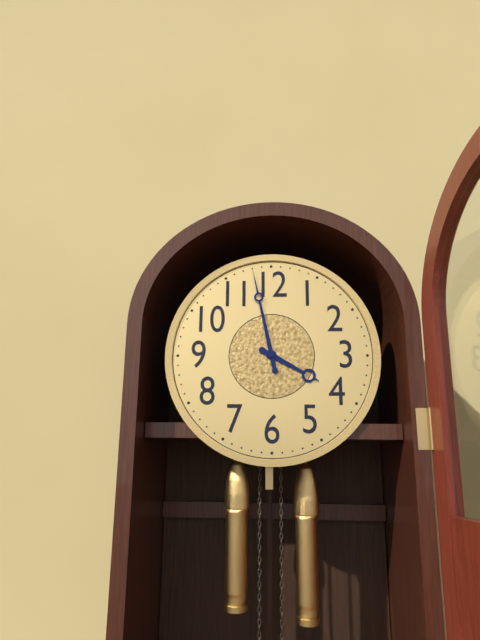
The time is 3:58
